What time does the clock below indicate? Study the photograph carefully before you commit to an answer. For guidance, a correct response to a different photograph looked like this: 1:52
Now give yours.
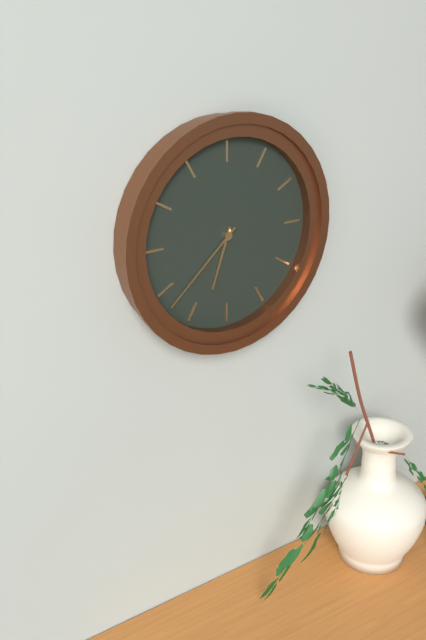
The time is 6:38
